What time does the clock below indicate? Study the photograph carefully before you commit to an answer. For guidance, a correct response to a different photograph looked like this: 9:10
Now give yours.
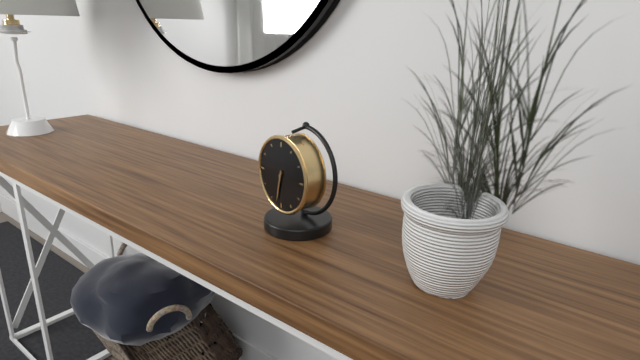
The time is 6:32
